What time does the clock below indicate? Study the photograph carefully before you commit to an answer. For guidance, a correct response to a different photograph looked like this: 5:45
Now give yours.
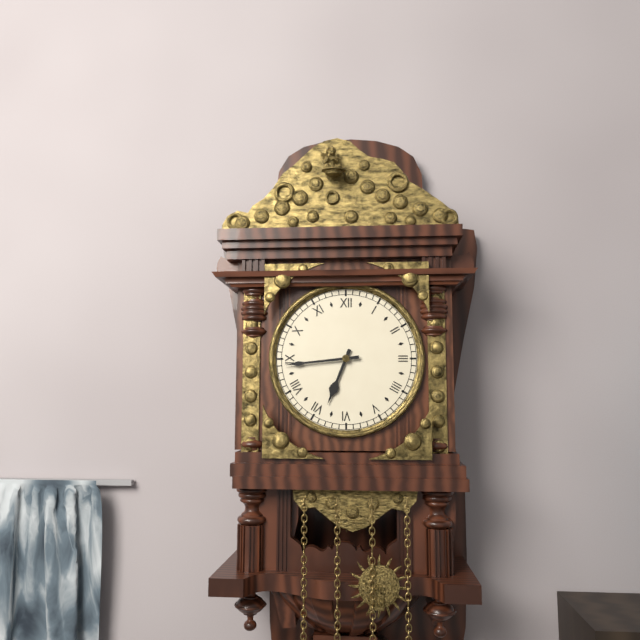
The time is 6:44
